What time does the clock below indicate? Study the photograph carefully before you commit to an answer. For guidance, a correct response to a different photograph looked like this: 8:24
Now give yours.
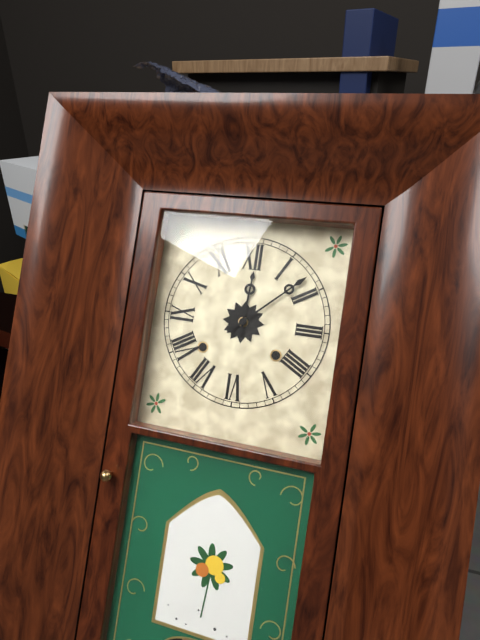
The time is 12:08
